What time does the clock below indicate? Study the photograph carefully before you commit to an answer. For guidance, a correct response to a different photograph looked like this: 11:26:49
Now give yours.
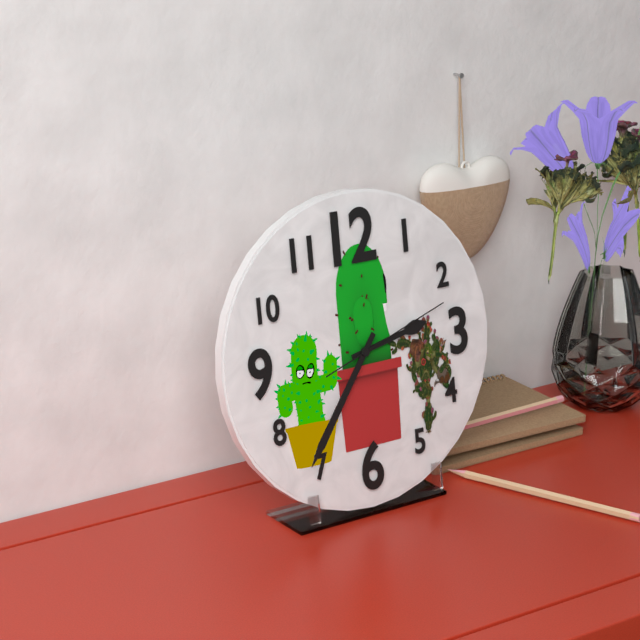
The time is 2:36:12
